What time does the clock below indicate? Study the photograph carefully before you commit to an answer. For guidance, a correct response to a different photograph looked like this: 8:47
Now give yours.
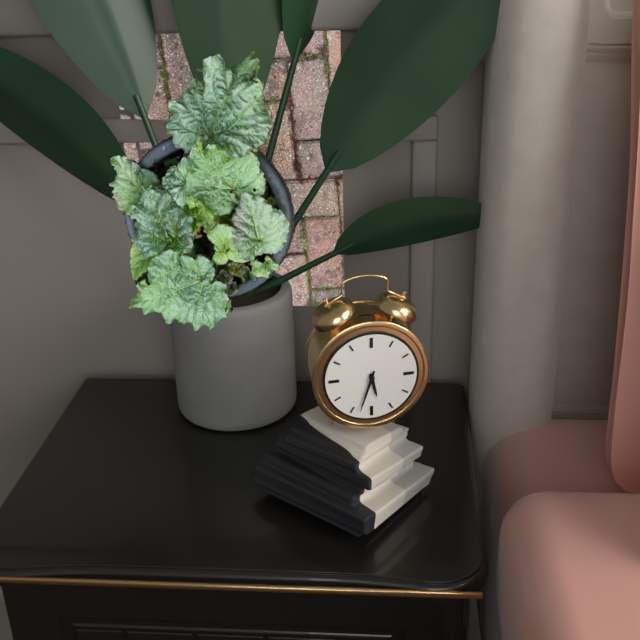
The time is 5:33
